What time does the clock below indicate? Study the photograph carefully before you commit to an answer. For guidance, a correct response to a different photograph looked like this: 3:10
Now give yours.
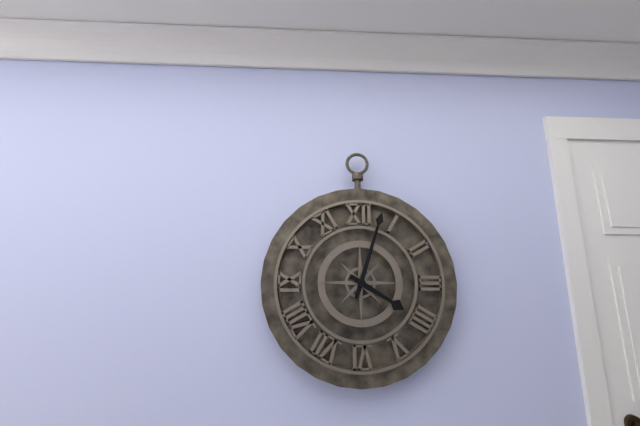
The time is 4:03
